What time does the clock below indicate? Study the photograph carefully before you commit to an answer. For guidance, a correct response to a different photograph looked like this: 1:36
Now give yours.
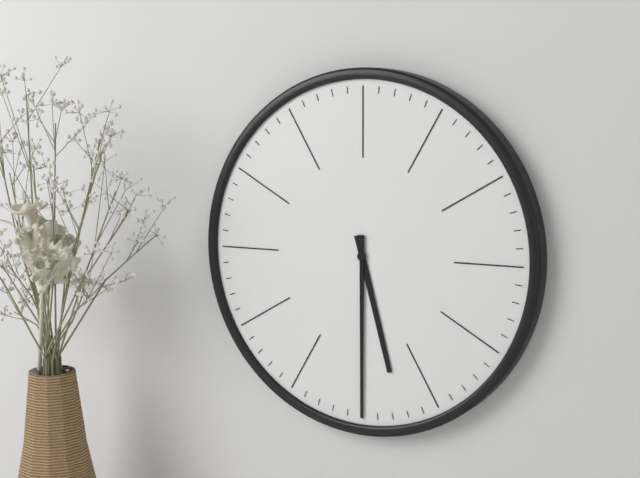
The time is 5:30
